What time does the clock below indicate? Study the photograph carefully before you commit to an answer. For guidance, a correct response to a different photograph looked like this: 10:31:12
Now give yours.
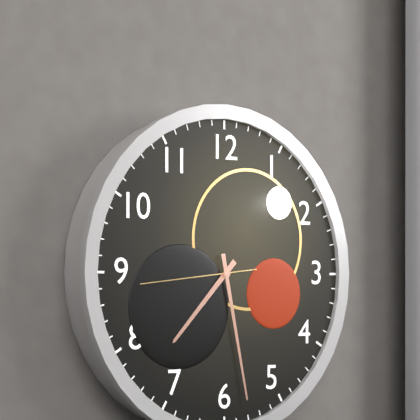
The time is 7:28:44
